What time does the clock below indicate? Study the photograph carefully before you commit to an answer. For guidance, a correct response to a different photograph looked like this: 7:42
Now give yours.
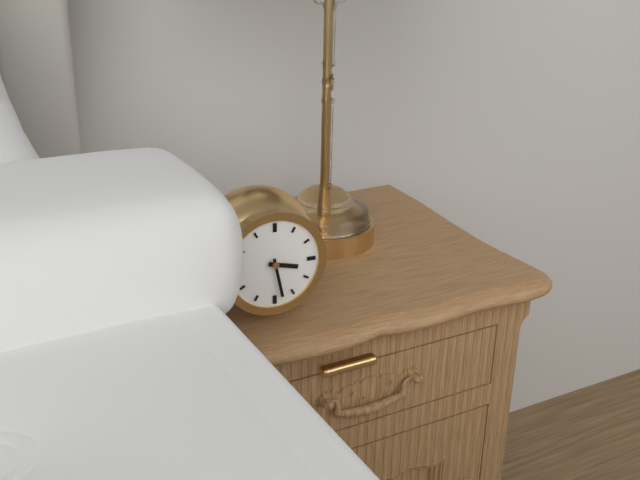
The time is 3:28
